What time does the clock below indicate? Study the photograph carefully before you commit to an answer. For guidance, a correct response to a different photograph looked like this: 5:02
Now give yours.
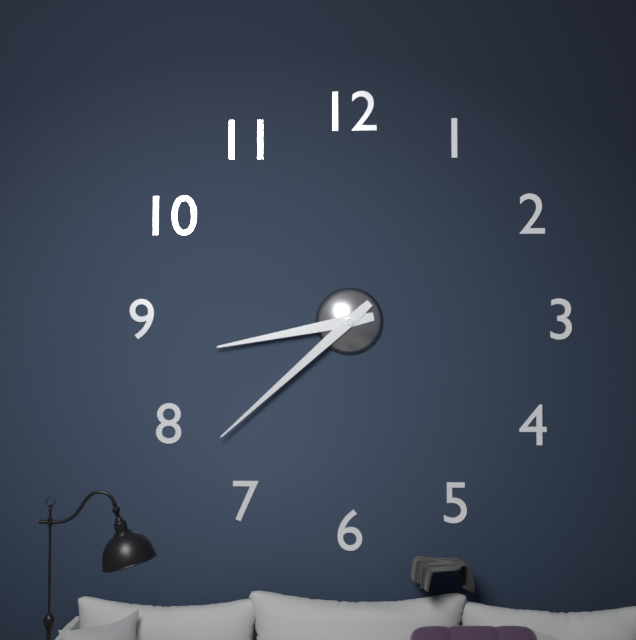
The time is 8:38
